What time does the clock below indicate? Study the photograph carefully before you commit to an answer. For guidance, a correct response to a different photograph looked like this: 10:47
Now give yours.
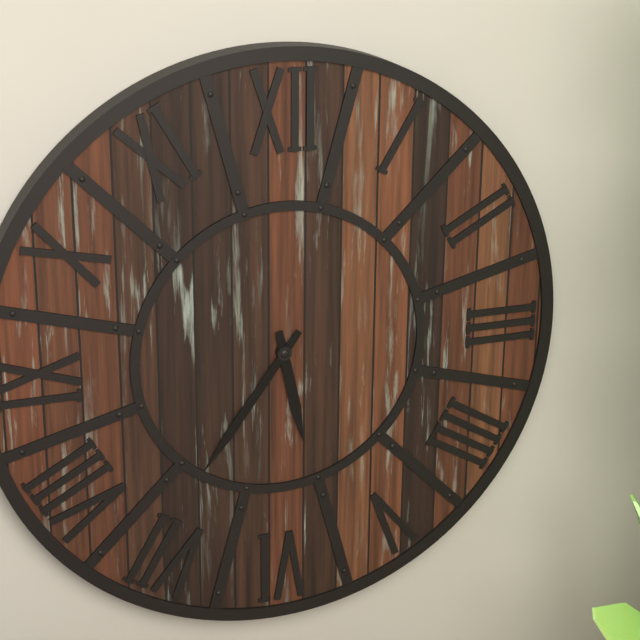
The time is 5:36
